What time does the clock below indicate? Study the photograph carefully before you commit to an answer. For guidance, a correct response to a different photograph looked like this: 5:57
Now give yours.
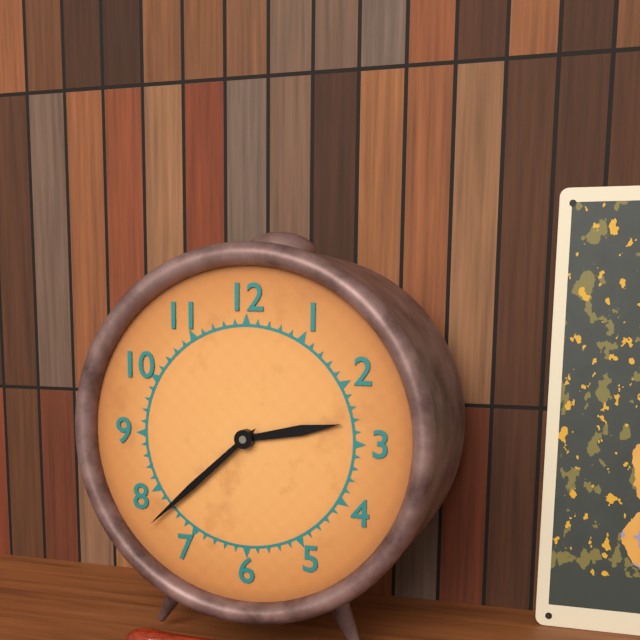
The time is 2:38
